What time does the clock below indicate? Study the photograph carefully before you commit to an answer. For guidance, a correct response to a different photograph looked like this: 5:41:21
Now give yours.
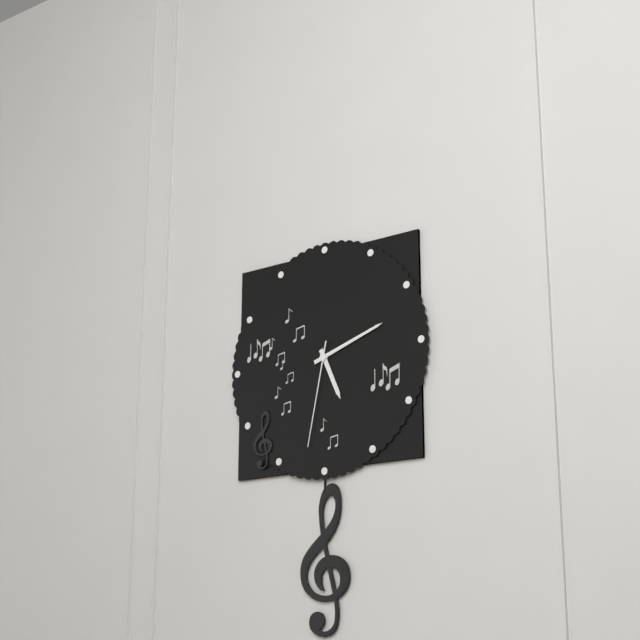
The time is 5:12:32
